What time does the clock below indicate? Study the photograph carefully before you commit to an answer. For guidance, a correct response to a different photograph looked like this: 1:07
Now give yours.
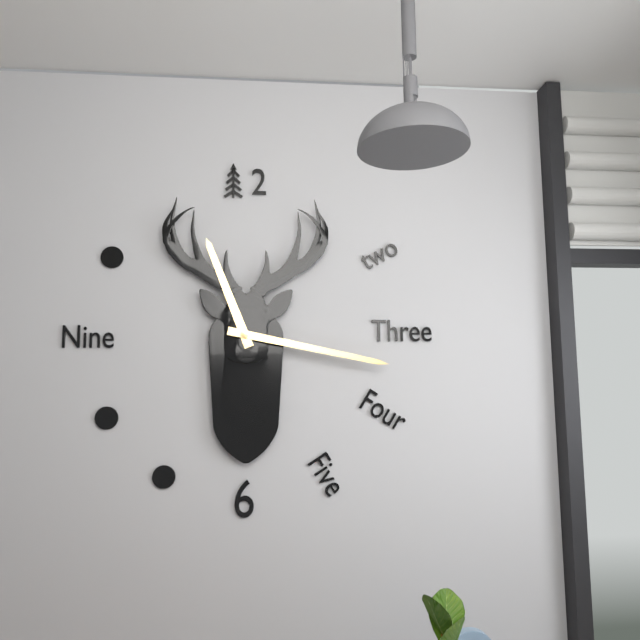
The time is 11:17
